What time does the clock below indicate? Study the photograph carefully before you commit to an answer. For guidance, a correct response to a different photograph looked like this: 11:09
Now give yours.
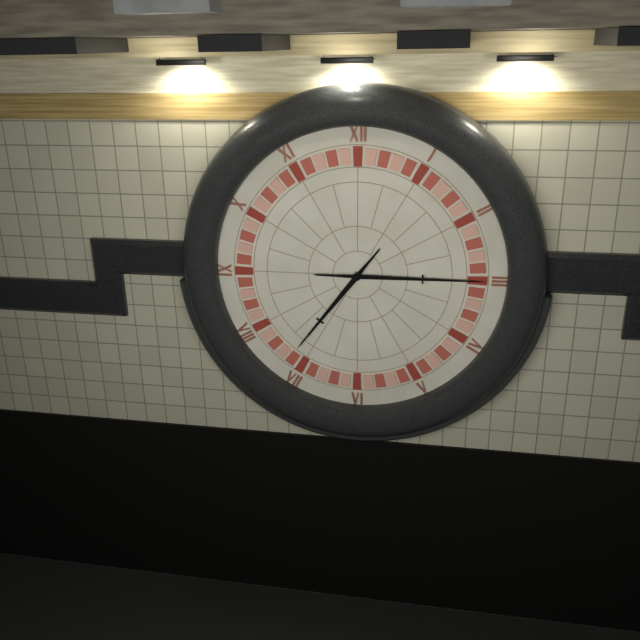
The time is 7:15
